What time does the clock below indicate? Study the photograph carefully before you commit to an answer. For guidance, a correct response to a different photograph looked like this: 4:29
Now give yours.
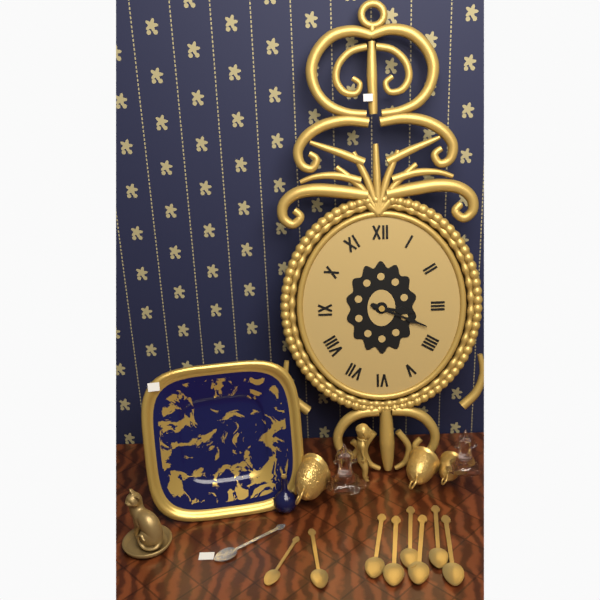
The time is 3:19
